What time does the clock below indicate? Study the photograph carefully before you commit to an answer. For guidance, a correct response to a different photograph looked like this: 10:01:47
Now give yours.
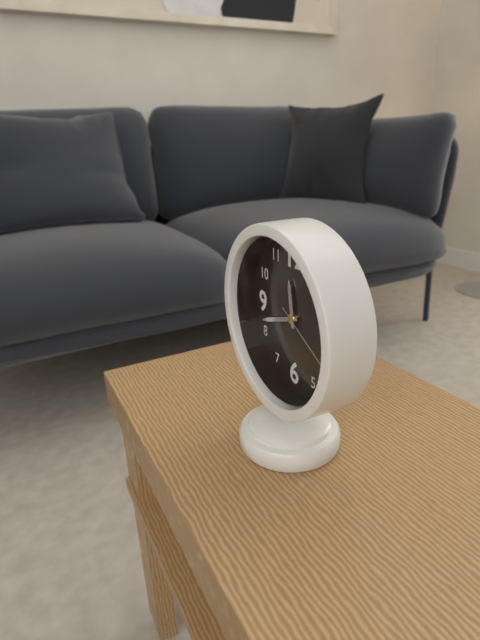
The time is 11:42:20
